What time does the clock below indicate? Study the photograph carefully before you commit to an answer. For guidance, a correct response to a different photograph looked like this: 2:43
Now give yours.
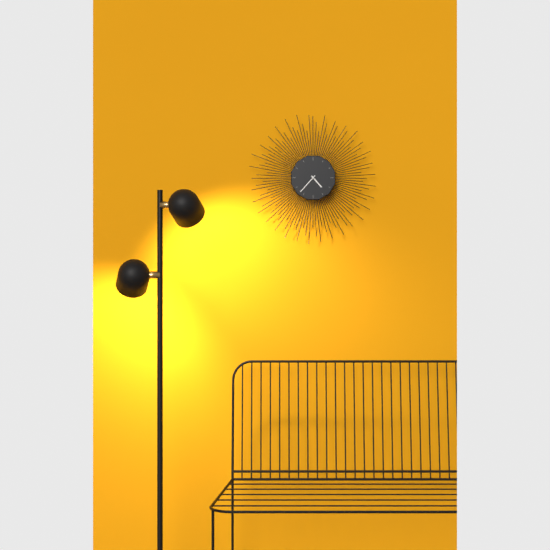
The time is 4:37
